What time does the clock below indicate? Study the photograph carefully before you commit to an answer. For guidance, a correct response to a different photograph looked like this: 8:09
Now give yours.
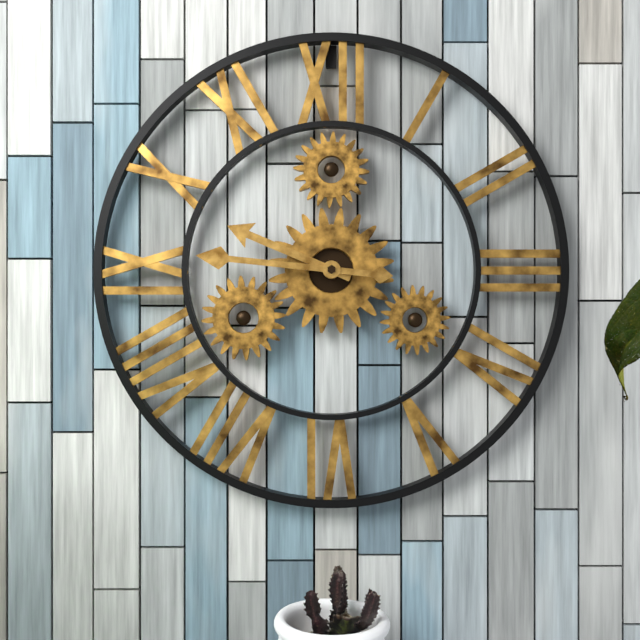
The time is 9:46
